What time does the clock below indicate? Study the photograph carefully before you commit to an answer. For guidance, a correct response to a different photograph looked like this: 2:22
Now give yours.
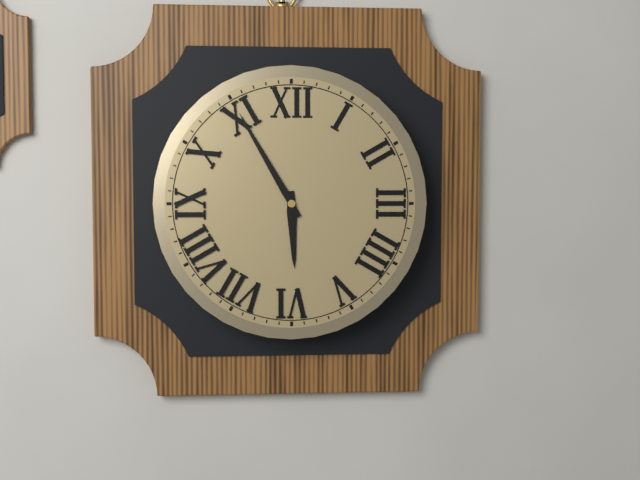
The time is 5:55
